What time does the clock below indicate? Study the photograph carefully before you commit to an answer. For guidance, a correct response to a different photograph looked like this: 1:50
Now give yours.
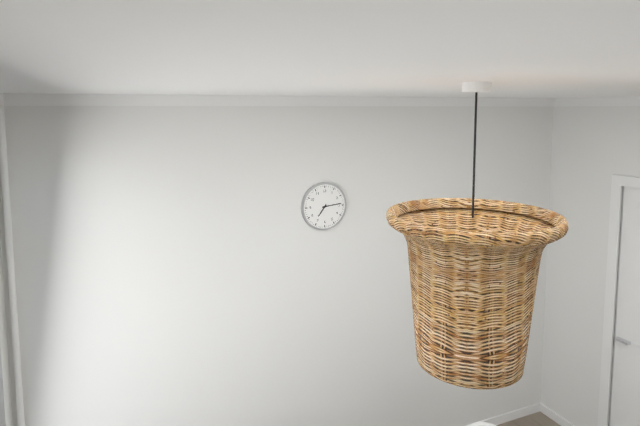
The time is 7:14
